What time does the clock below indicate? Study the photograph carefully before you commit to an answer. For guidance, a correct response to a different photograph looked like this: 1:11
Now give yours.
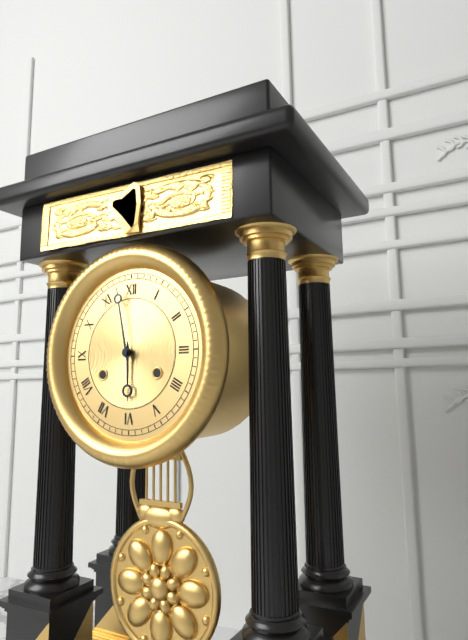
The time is 5:58
